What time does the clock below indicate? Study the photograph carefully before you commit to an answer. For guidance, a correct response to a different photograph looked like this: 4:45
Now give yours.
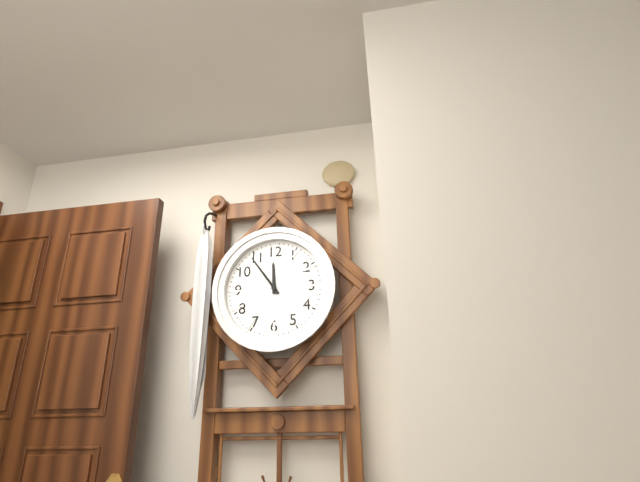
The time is 11:54
